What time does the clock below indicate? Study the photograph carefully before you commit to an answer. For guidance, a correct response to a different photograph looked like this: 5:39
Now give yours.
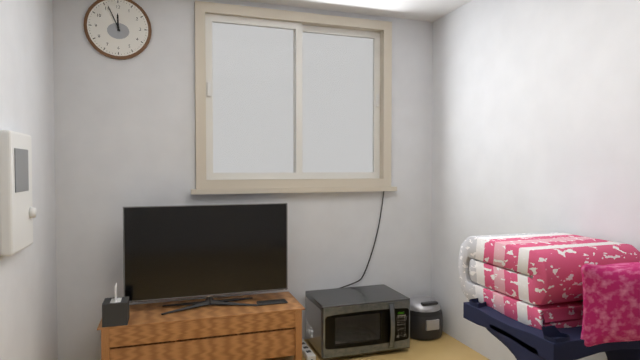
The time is 11:56
